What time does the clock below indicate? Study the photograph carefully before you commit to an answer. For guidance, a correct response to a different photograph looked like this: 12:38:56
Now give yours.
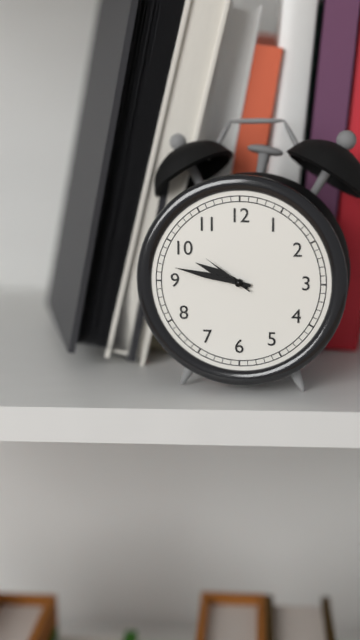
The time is 9:47:51
